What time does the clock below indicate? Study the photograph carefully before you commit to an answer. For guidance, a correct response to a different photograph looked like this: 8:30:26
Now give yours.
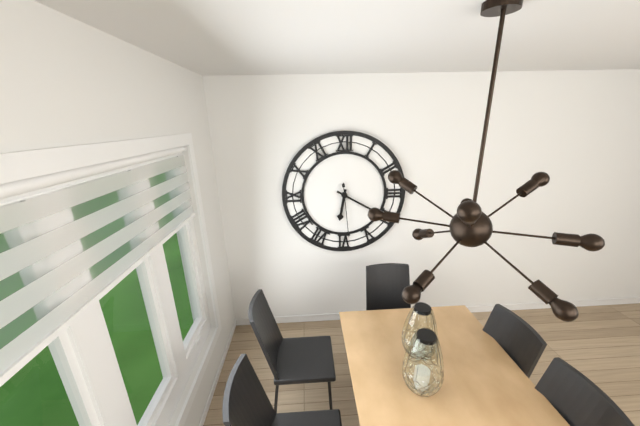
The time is 6:20:29
